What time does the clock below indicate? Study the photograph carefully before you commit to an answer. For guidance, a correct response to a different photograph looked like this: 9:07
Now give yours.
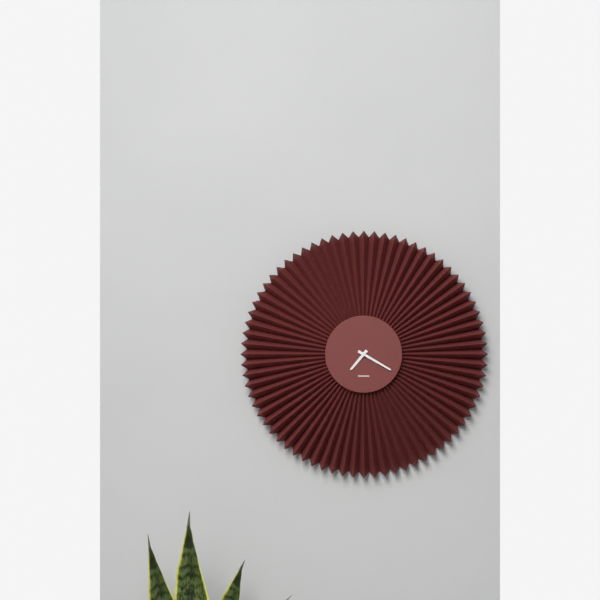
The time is 7:20
